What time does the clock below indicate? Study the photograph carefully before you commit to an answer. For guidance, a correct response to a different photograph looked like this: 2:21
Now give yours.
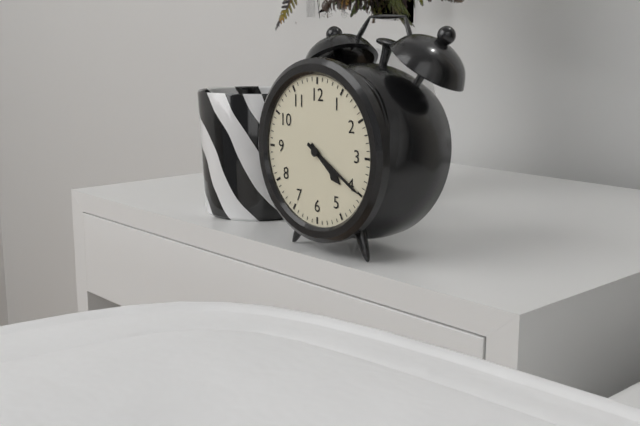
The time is 4:20
